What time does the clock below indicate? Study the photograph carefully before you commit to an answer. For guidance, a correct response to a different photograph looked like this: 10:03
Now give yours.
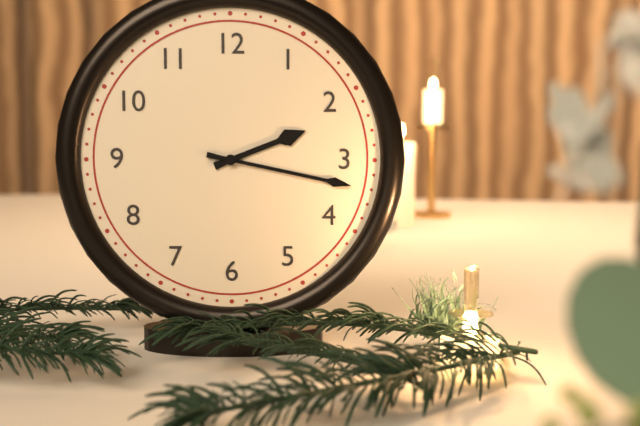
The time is 2:17
